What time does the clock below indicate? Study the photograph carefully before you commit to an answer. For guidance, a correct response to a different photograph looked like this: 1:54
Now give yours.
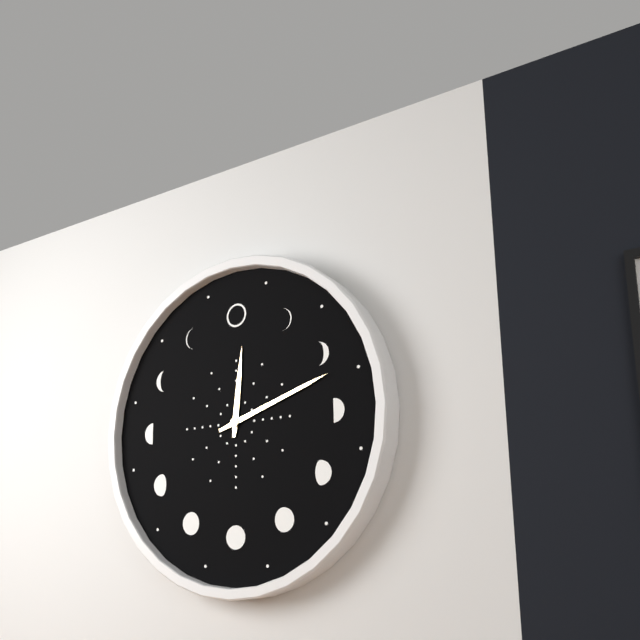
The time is 12:12
